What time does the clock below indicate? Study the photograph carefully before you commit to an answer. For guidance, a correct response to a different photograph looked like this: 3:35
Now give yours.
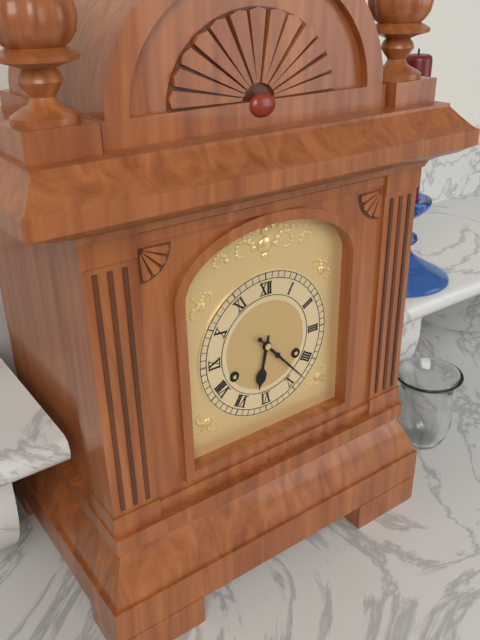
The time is 6:23
